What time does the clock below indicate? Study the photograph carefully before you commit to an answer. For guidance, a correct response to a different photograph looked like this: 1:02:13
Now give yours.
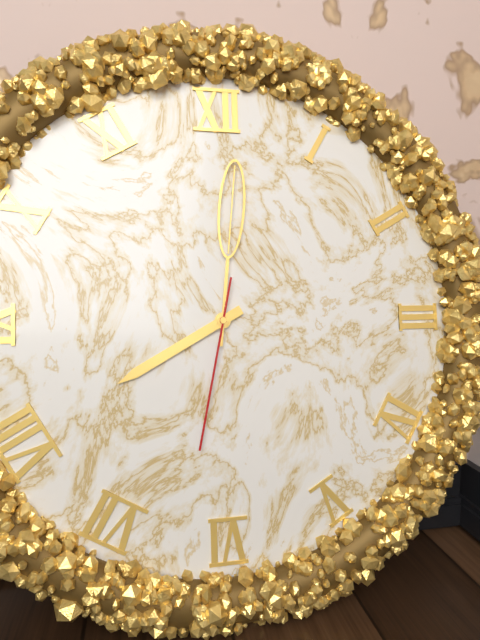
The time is 8:01:32
